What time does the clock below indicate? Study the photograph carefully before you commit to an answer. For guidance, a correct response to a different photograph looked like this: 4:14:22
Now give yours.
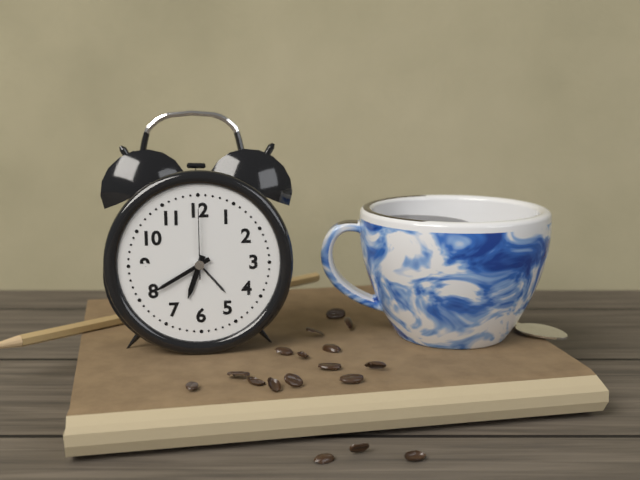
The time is 6:40:00
